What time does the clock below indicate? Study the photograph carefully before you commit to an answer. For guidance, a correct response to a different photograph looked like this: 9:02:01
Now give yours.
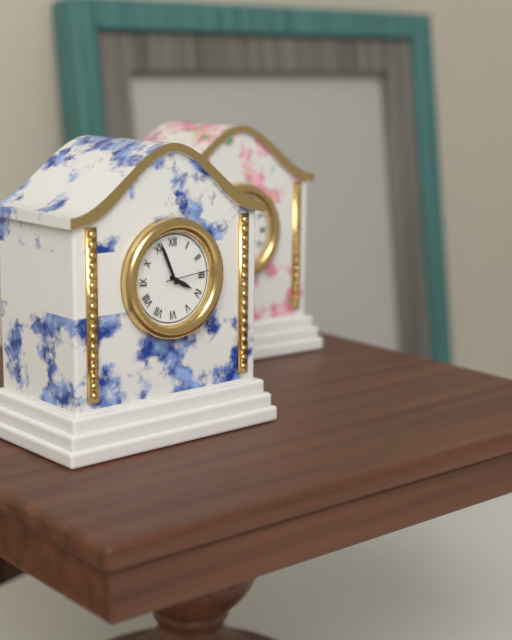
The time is 3:56:14
